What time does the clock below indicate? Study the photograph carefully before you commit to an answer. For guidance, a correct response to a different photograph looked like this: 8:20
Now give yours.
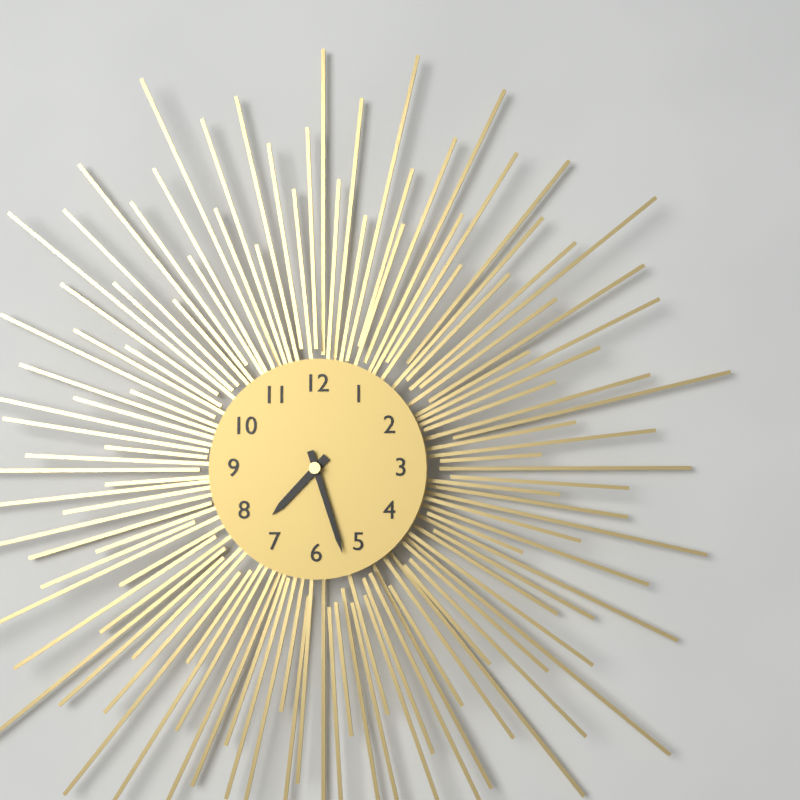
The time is 7:27
